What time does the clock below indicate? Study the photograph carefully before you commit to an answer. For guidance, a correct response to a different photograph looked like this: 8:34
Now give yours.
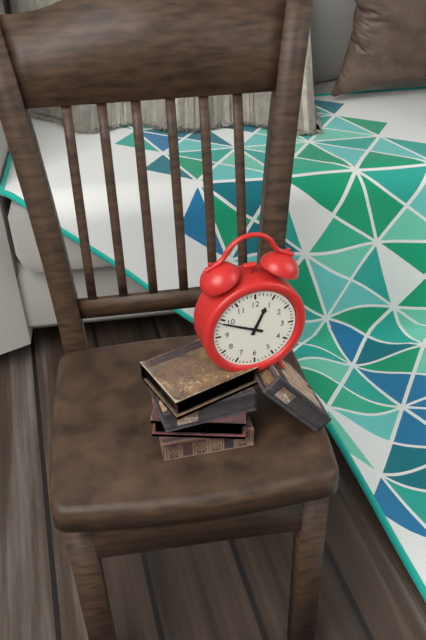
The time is 12:49
